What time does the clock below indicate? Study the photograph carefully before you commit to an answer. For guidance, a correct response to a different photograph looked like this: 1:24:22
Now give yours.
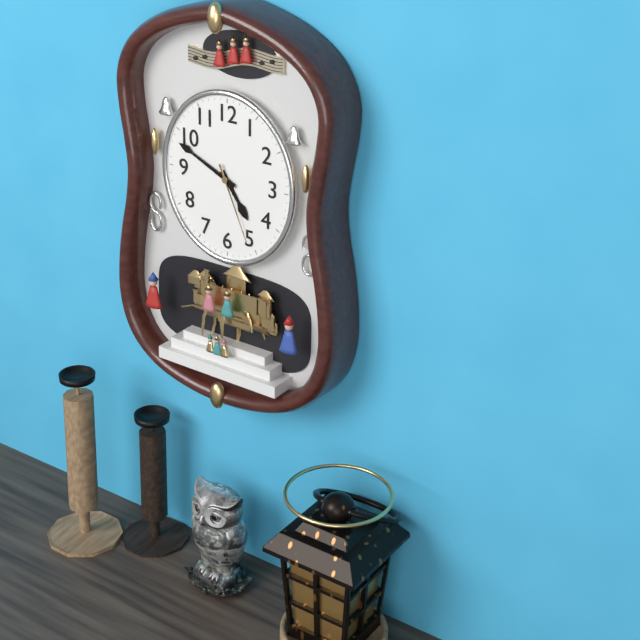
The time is 4:49:26
